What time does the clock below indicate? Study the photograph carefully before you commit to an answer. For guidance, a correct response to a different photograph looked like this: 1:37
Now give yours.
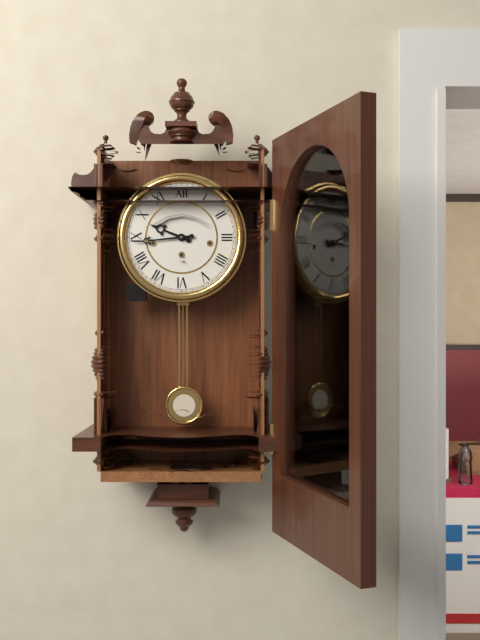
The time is 9:44
